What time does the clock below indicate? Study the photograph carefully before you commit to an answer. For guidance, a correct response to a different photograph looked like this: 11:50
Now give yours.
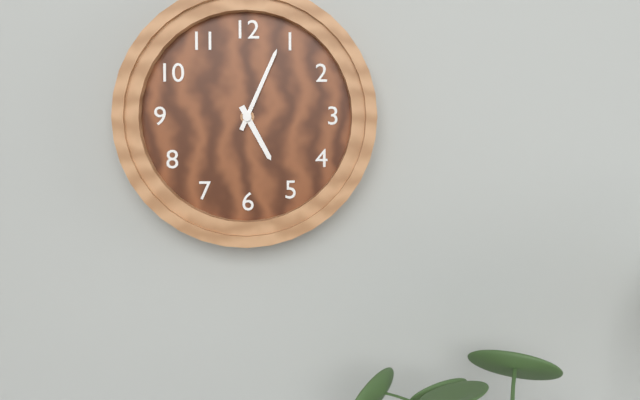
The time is 5:04
